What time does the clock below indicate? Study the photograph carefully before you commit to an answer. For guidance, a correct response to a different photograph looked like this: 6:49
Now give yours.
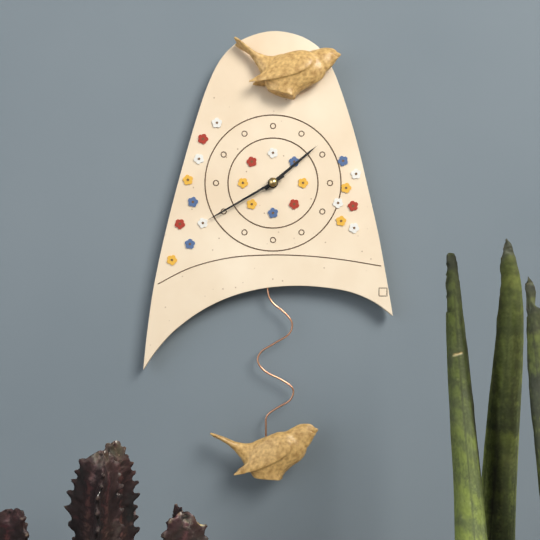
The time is 1:40
